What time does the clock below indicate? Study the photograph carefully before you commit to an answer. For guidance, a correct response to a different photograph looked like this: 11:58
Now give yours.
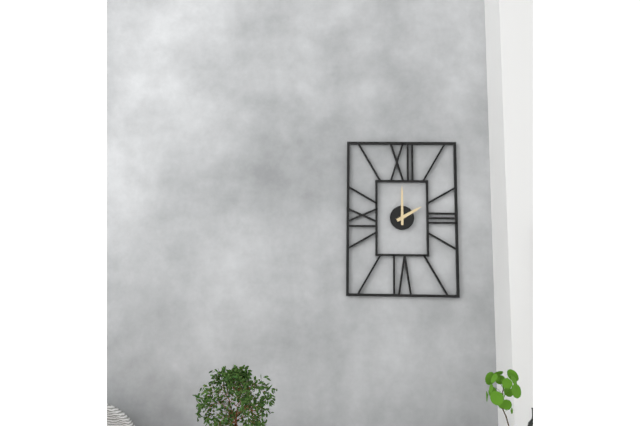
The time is 2:00
